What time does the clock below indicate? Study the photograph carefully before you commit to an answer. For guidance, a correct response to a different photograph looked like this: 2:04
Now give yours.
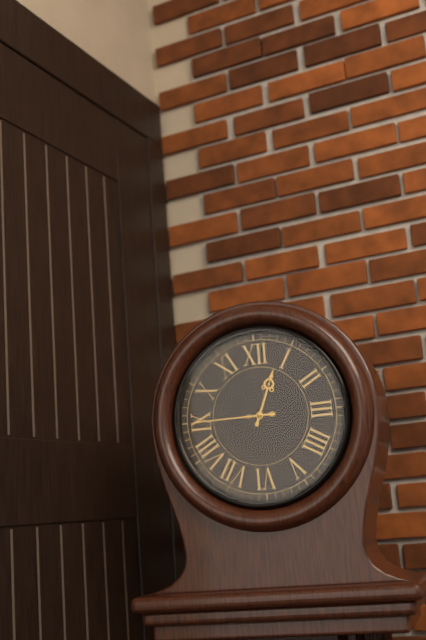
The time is 12:45
